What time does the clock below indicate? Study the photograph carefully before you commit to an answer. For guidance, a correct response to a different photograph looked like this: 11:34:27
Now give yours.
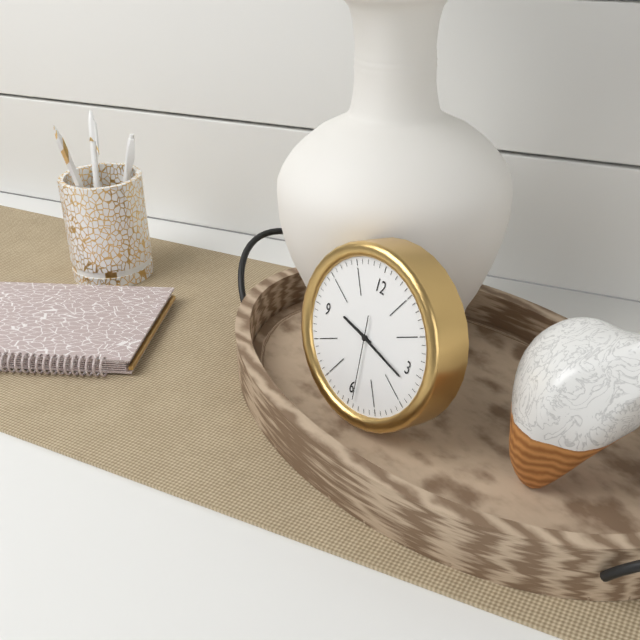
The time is 9:17:29
